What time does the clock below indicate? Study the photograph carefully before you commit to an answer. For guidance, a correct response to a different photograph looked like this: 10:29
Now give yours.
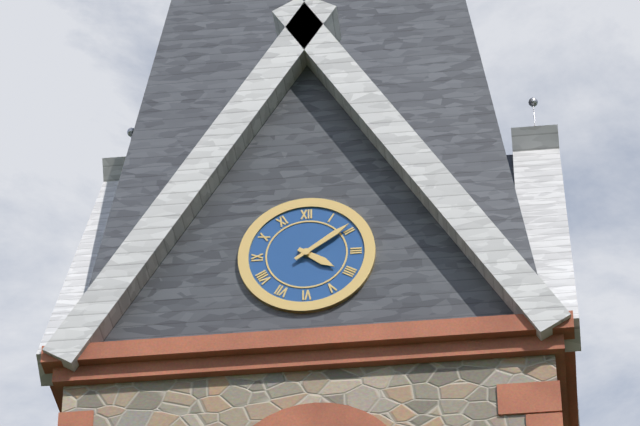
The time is 4:09
